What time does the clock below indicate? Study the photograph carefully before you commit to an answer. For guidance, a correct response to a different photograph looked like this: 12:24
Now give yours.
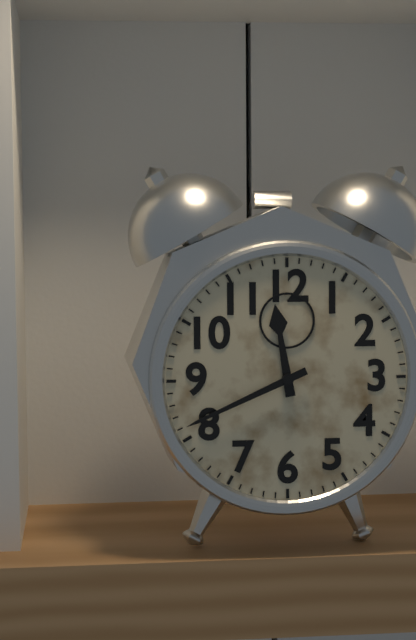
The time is 11:41
